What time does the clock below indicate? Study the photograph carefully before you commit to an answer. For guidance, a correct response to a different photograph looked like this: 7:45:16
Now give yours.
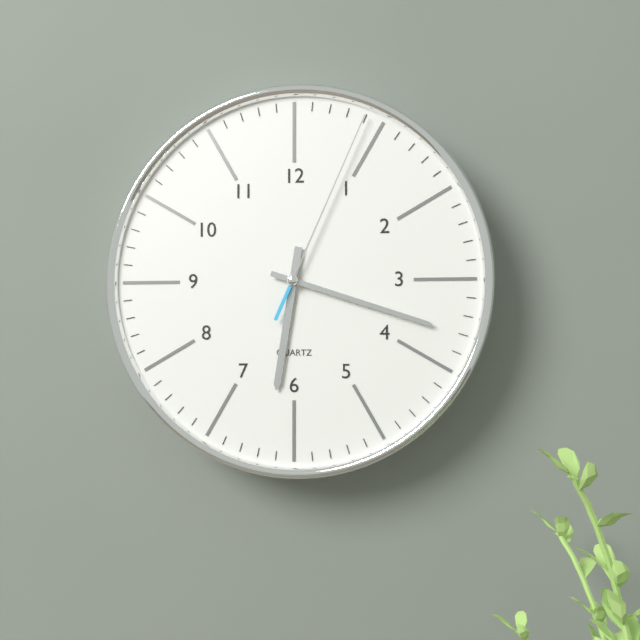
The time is 6:18:04
